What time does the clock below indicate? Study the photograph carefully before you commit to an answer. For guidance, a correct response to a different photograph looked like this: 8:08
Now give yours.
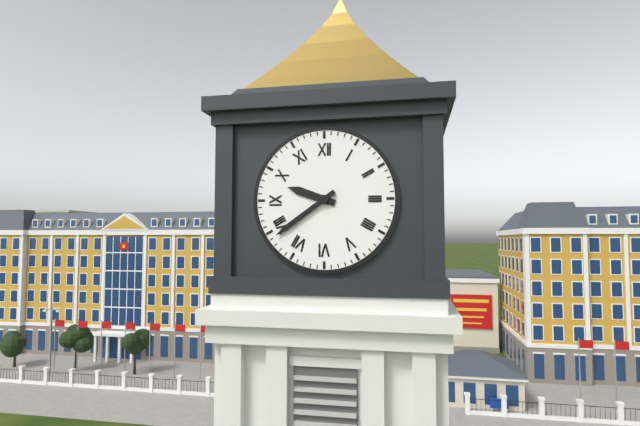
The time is 9:39
